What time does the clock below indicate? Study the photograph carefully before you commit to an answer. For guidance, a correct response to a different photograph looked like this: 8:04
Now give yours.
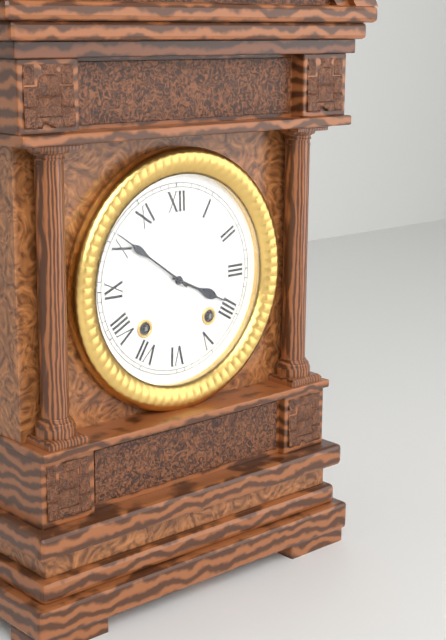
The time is 3:51
